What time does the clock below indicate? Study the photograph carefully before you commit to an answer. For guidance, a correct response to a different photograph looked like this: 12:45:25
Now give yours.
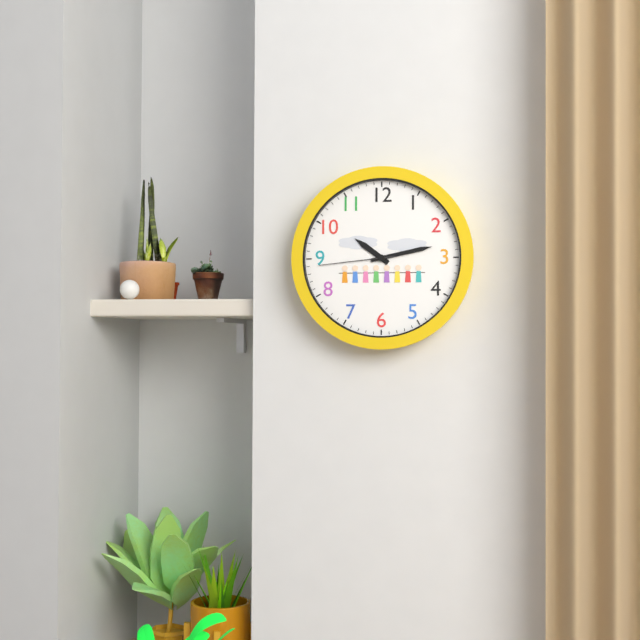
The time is 10:13:44
